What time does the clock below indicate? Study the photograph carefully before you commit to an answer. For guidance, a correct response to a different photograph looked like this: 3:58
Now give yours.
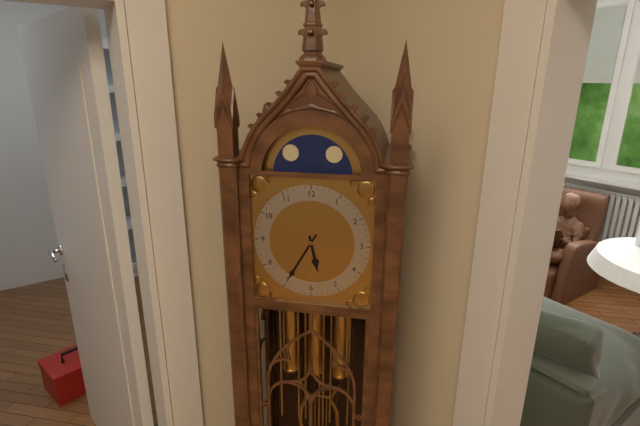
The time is 5:35
